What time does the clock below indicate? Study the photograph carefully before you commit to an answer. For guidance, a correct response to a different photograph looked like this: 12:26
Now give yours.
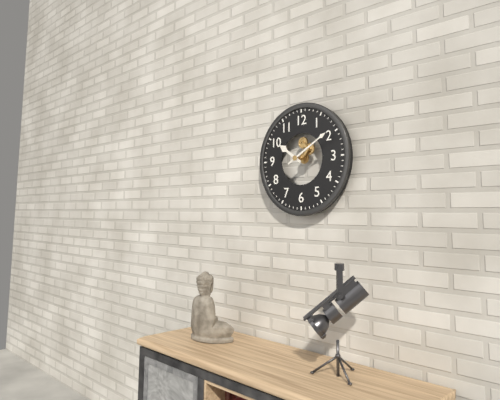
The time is 10:10
